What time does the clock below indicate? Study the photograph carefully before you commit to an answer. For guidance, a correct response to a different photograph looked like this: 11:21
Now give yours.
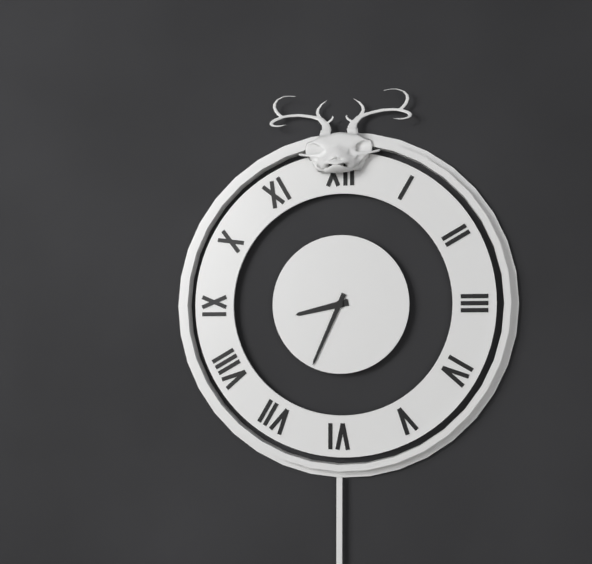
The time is 8:34
